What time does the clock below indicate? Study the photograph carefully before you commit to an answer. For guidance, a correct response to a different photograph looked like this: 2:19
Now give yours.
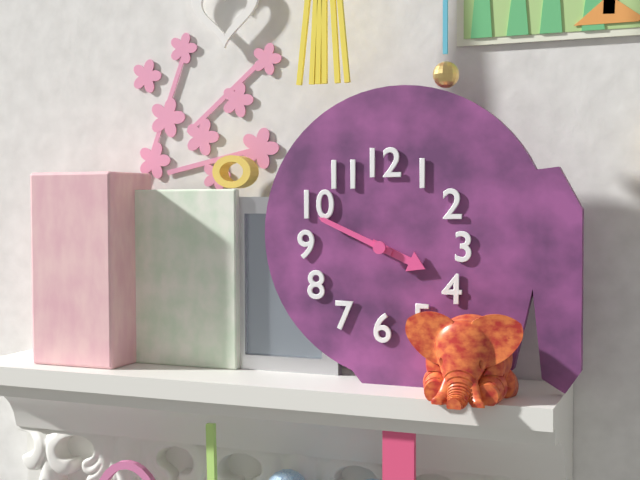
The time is 3:49
